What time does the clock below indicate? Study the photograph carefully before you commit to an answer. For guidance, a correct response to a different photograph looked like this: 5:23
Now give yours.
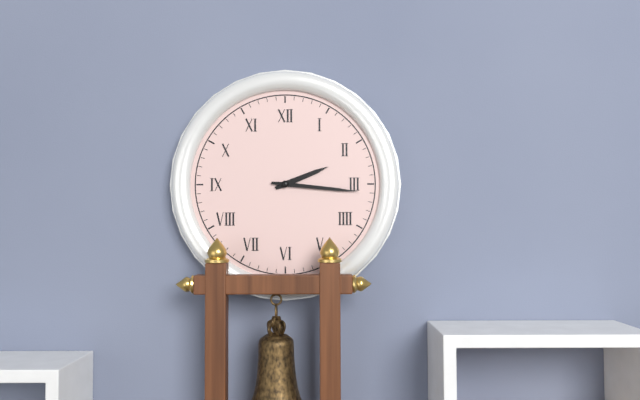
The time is 2:16
